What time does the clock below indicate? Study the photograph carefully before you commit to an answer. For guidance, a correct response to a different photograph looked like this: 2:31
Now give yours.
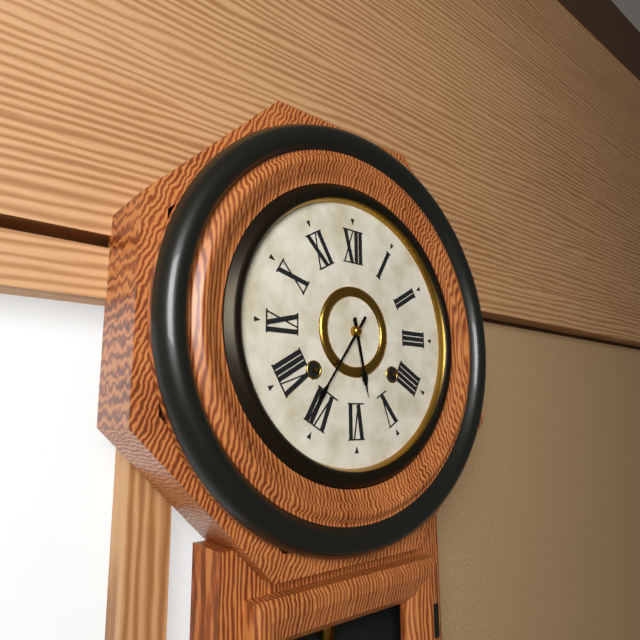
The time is 5:36
